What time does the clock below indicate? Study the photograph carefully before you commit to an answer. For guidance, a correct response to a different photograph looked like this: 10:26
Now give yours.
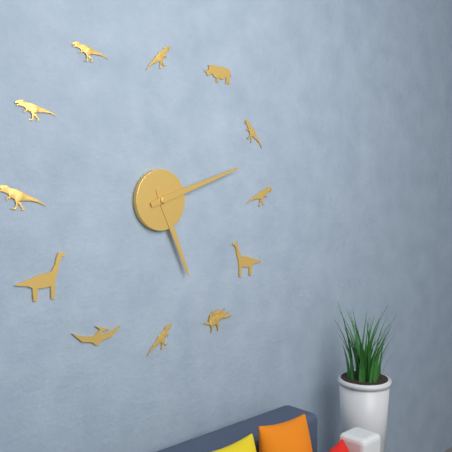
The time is 5:12
